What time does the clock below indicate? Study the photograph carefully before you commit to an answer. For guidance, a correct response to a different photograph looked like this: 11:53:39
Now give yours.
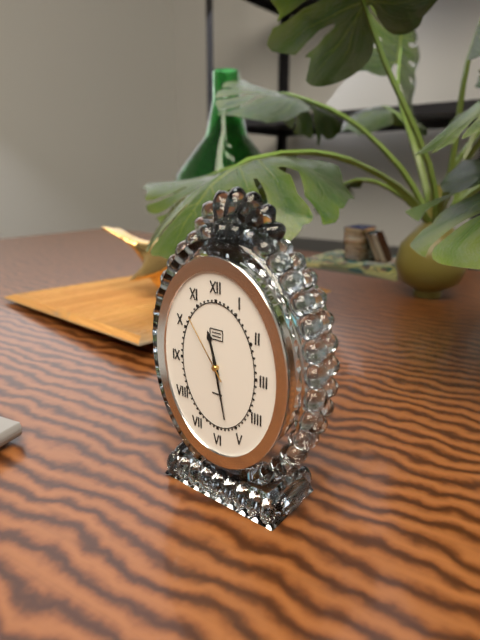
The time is 11:28:54
